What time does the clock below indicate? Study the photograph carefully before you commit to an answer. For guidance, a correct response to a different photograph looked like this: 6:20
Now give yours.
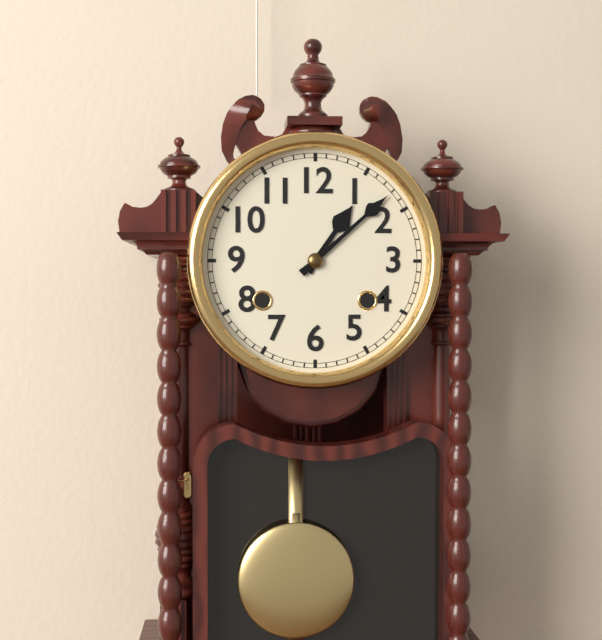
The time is 1:08
